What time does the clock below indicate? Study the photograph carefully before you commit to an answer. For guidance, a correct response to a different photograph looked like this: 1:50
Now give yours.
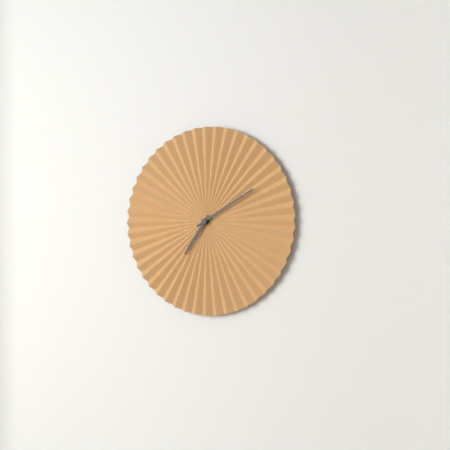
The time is 7:10
